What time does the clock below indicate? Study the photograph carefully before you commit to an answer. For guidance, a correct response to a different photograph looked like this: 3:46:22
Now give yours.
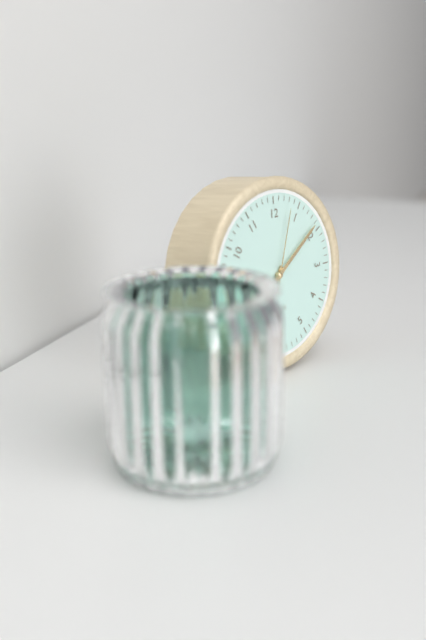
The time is 7:09:03
